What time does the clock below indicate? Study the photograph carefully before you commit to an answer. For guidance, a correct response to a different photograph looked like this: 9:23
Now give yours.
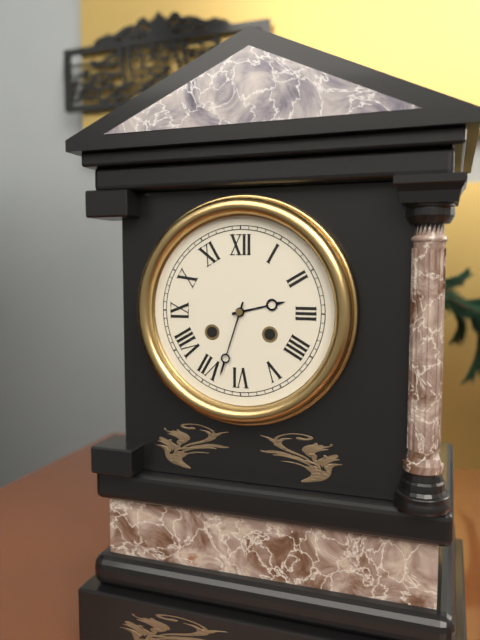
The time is 2:33
